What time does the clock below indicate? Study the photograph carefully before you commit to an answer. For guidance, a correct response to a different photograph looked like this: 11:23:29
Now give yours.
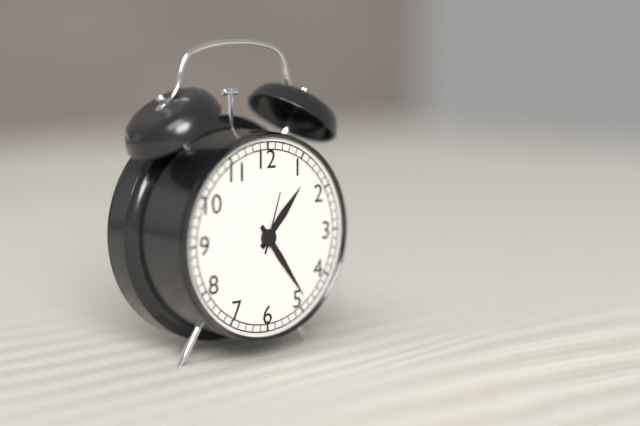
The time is 1:24:03
